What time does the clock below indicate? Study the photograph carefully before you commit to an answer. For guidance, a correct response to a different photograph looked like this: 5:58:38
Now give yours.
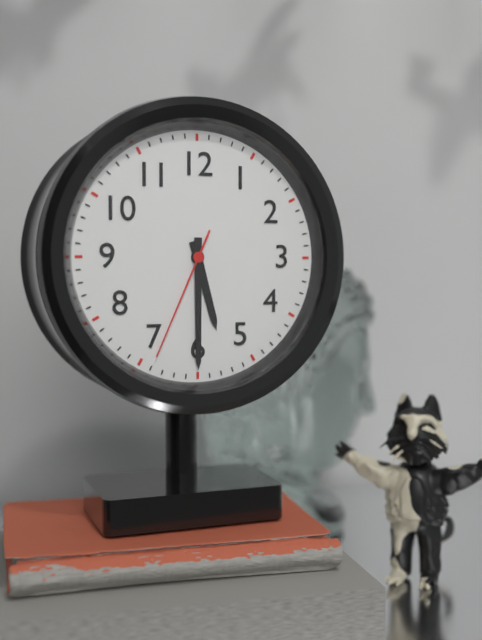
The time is 5:30:34
